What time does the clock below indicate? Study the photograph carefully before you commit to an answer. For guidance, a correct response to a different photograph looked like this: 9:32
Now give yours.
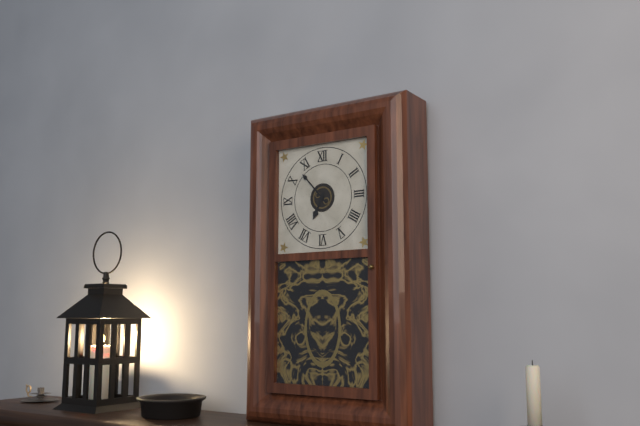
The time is 6:53
